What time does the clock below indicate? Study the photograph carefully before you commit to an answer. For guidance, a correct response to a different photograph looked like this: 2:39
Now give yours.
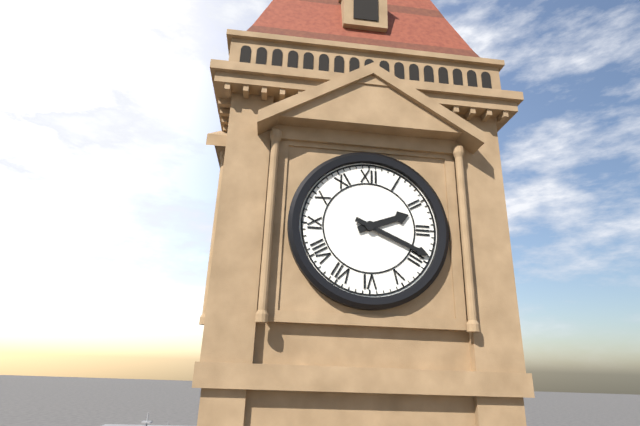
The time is 2:19
